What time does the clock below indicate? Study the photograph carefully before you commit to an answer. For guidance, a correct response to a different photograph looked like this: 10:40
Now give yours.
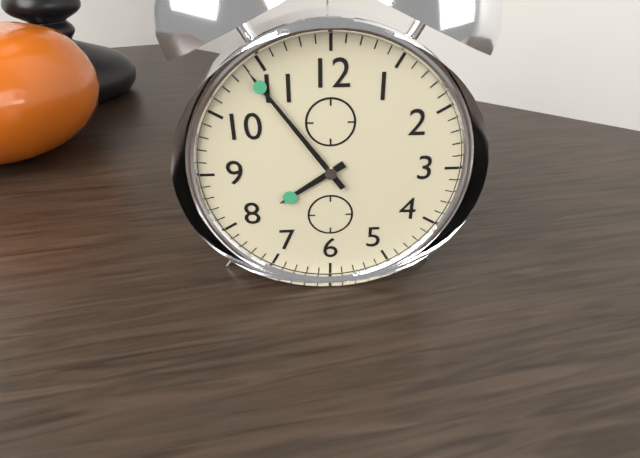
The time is 7:54
